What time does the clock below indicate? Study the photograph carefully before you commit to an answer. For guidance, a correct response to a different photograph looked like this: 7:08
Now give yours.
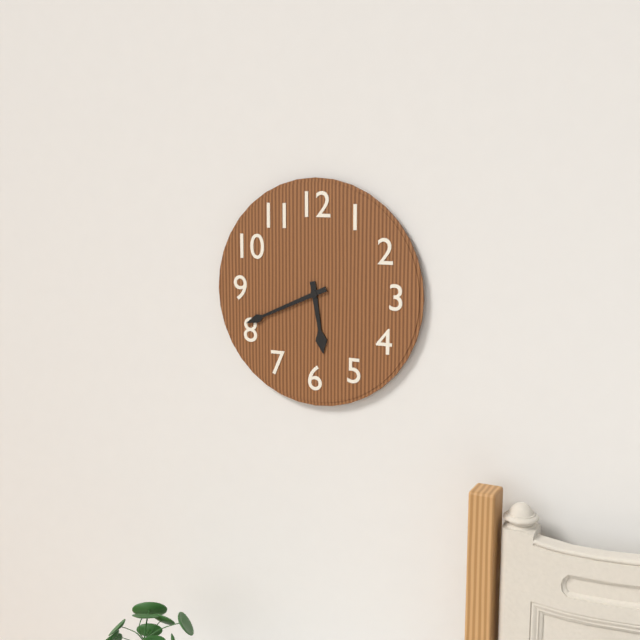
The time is 5:41
